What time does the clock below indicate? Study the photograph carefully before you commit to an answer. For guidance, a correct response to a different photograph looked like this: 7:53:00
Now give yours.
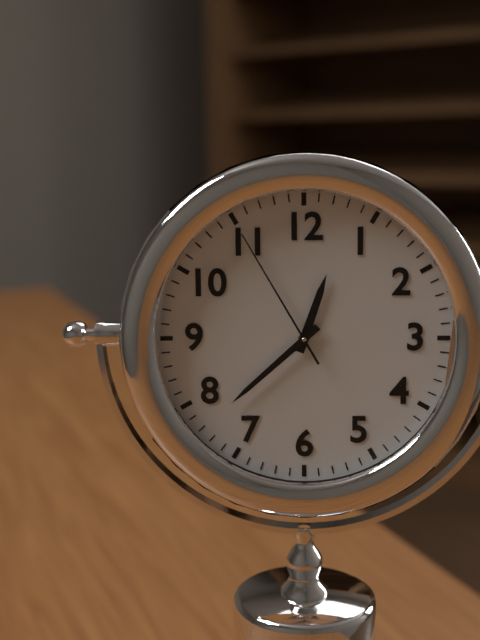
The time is 12:38:55
